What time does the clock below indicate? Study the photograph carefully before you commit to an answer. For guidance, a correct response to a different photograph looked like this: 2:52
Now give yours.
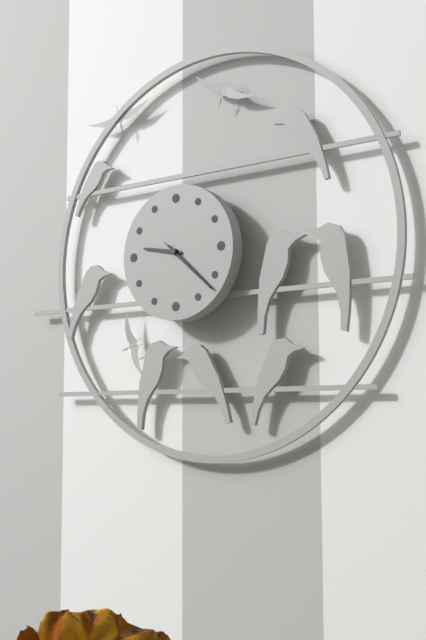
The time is 9:22
